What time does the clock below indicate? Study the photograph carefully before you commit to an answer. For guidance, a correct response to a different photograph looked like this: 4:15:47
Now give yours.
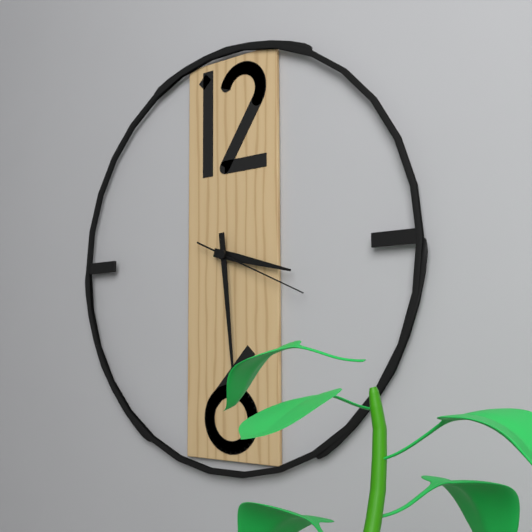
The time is 3:29:19
